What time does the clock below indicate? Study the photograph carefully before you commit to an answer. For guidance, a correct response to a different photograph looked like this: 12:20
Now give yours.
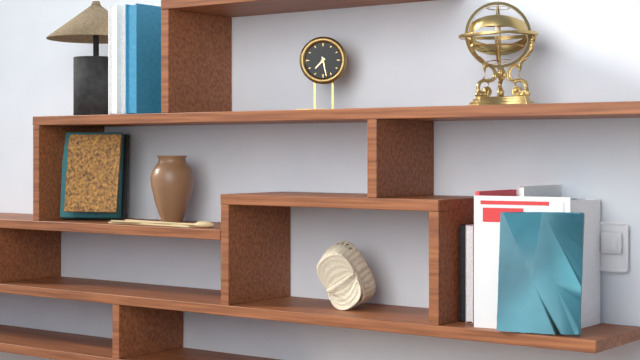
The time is 7:28
